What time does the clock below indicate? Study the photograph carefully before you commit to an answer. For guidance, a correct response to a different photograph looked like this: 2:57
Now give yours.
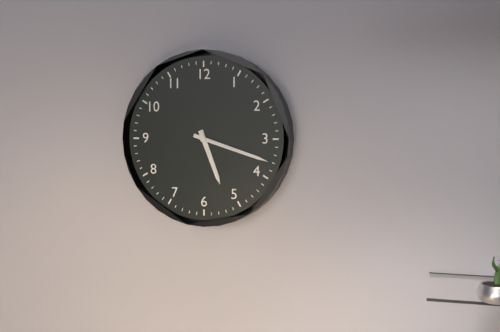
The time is 5:18
